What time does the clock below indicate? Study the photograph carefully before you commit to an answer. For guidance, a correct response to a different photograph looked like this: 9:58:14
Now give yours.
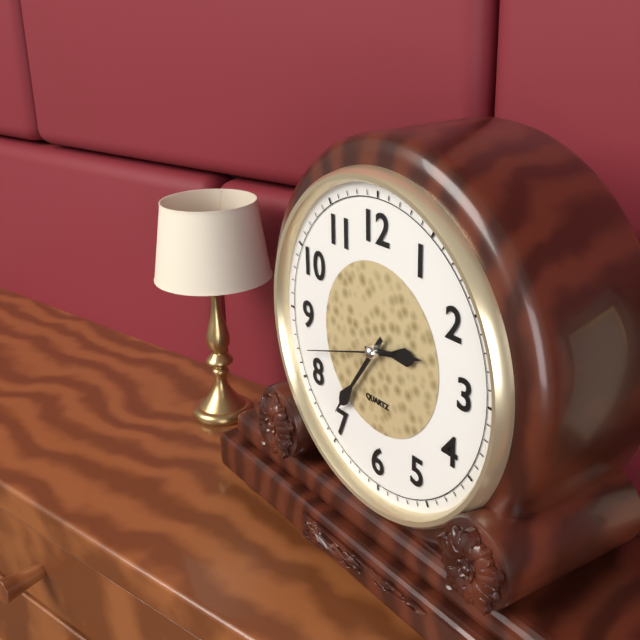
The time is 2:36:42
